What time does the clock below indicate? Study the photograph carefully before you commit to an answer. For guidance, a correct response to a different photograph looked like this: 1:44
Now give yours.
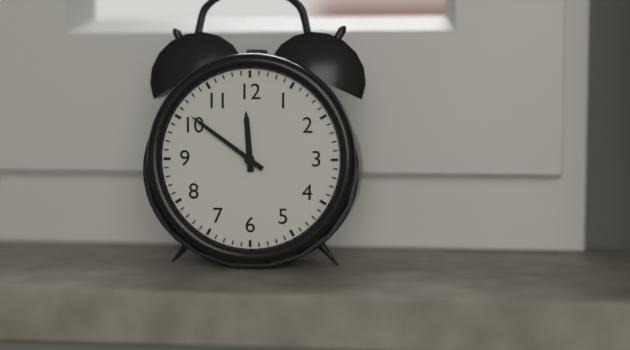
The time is 11:51
